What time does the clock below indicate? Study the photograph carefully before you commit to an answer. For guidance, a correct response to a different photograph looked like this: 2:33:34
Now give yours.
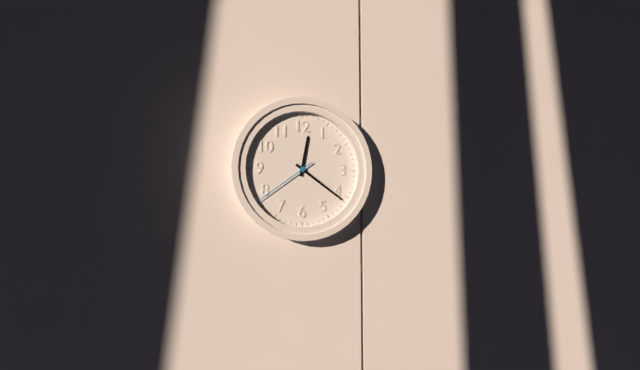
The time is 12:21:39
